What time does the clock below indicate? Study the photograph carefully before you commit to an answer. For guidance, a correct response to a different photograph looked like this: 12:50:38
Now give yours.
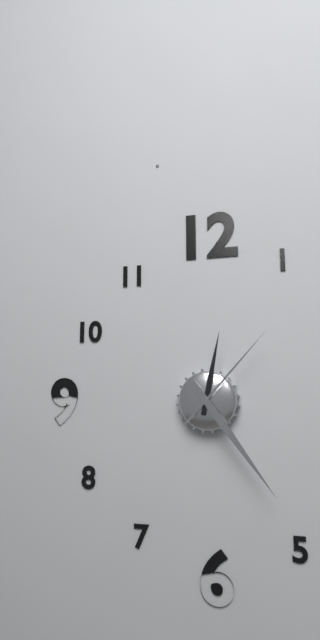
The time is 12:24:07
